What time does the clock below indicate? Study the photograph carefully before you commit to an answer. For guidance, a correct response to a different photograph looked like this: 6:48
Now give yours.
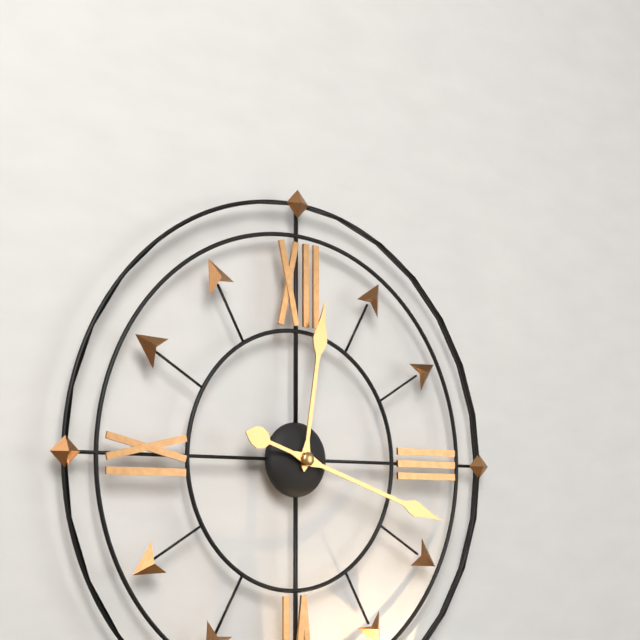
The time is 12:18
